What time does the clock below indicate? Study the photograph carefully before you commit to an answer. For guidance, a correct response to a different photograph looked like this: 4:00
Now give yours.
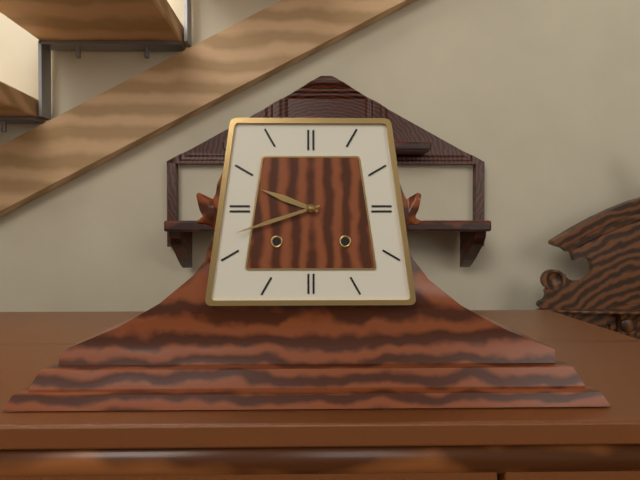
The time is 9:42
